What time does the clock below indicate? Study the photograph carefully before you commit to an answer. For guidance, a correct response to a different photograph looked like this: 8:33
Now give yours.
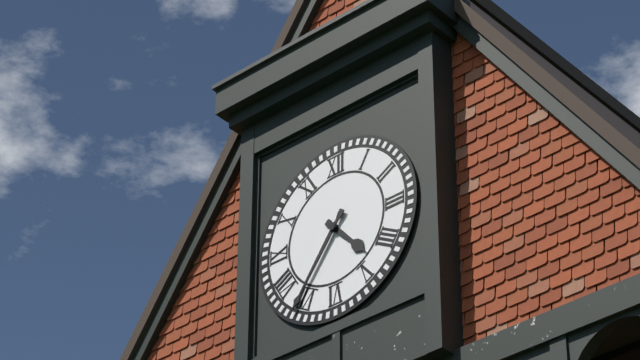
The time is 4:36
